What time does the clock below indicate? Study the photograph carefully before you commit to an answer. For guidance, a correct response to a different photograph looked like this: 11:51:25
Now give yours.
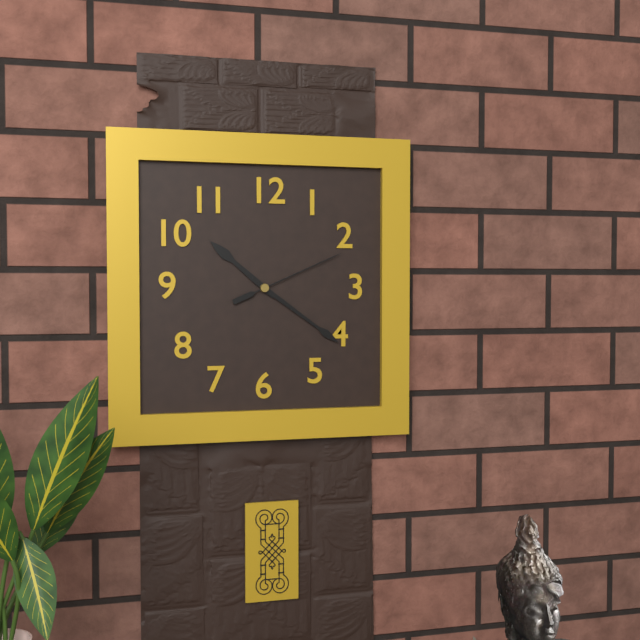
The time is 10:21:11
